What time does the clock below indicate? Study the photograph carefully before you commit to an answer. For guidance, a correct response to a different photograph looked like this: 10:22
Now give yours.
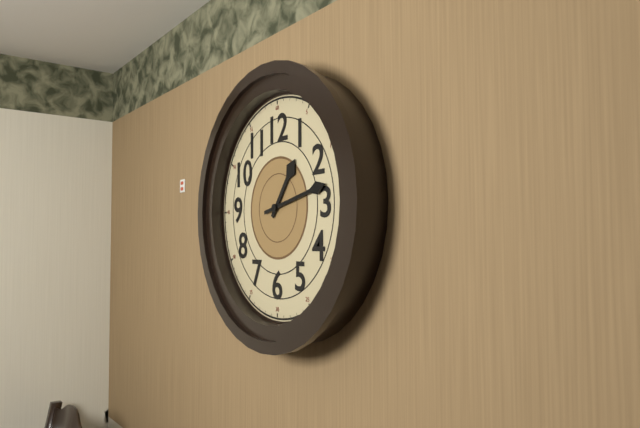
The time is 1:13
